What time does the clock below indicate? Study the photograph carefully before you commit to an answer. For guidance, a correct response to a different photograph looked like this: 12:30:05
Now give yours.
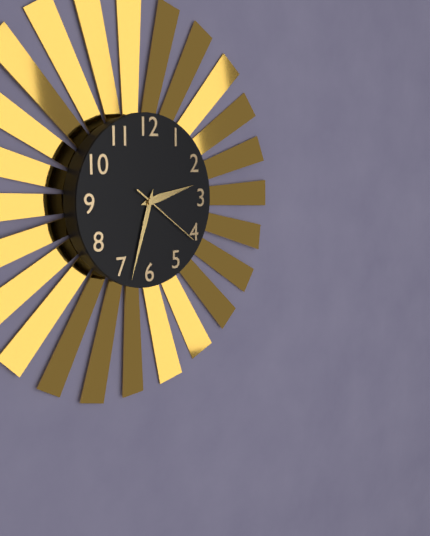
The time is 2:33:21
